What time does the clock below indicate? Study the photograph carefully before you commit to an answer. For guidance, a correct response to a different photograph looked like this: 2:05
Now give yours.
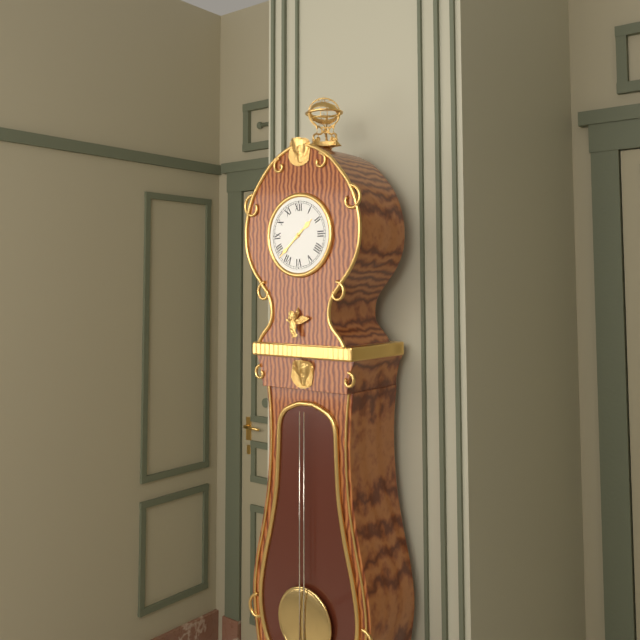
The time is 1:38
